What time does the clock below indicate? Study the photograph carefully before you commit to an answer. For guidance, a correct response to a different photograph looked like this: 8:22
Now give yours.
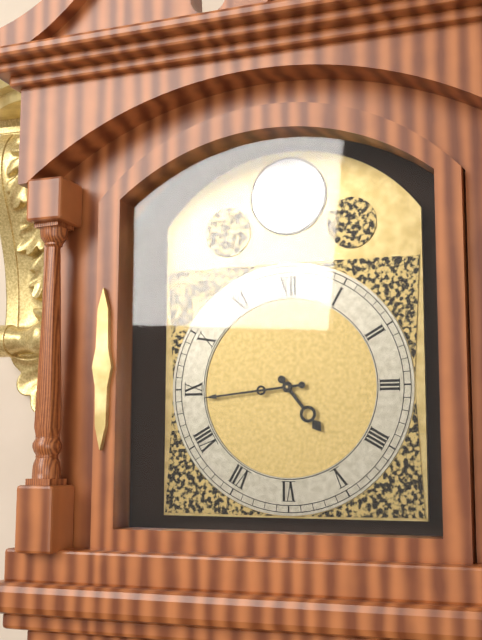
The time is 4:44
